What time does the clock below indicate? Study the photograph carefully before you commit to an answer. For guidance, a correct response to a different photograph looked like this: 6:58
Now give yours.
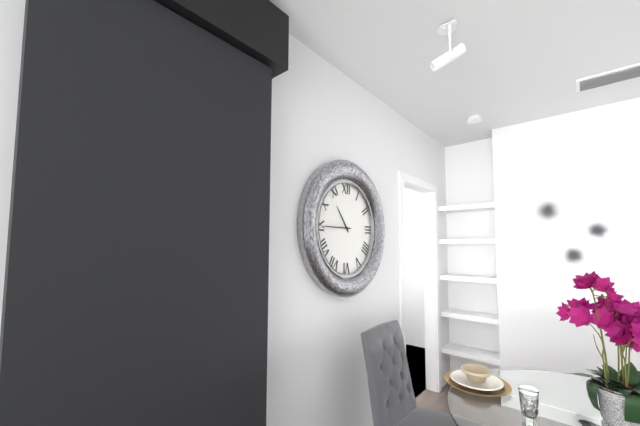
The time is 10:45
